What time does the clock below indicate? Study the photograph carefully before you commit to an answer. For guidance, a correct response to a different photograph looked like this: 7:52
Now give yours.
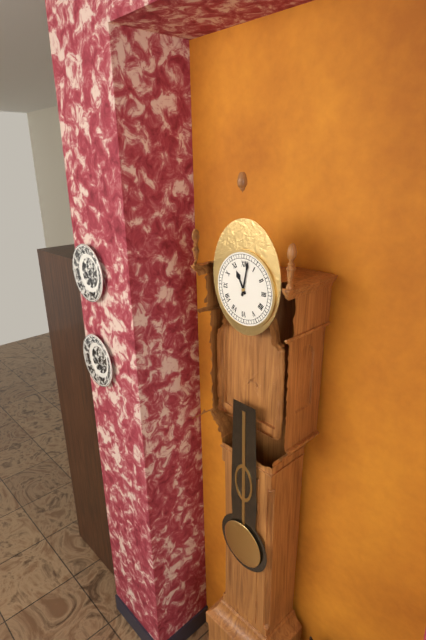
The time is 11:02
